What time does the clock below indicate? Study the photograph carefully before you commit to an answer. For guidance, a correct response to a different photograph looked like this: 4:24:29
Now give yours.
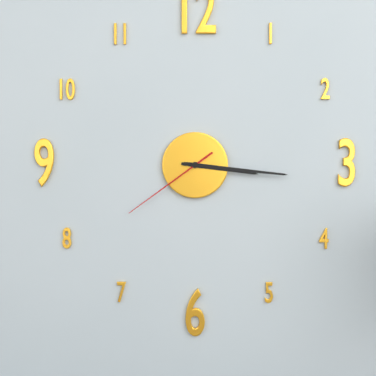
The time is 3:16:39
